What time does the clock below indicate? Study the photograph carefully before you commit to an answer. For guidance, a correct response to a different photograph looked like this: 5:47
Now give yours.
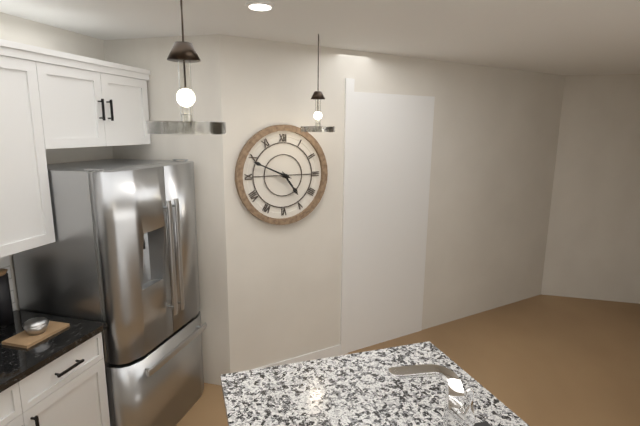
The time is 4:49
